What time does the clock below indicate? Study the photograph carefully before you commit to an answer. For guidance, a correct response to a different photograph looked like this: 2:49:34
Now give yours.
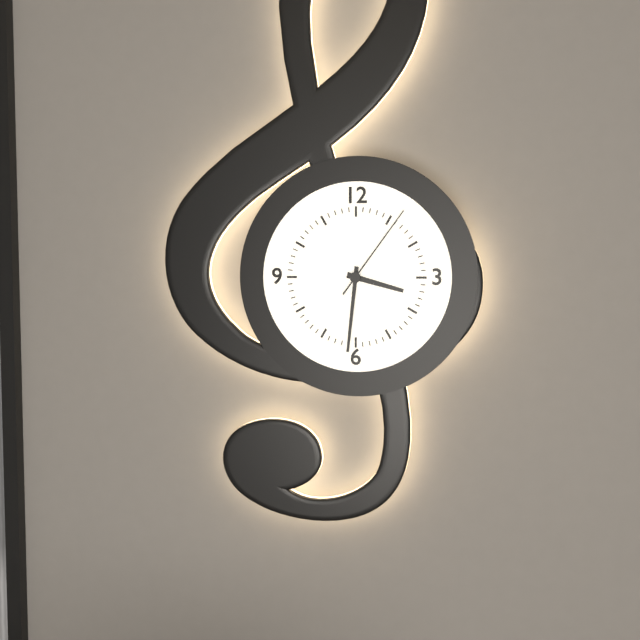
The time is 3:31:06
